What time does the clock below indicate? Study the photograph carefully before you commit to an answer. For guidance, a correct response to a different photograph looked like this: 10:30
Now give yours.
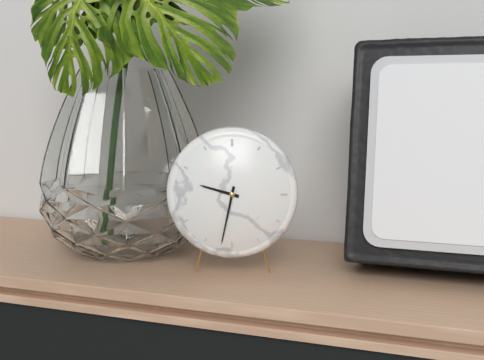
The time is 9:32
